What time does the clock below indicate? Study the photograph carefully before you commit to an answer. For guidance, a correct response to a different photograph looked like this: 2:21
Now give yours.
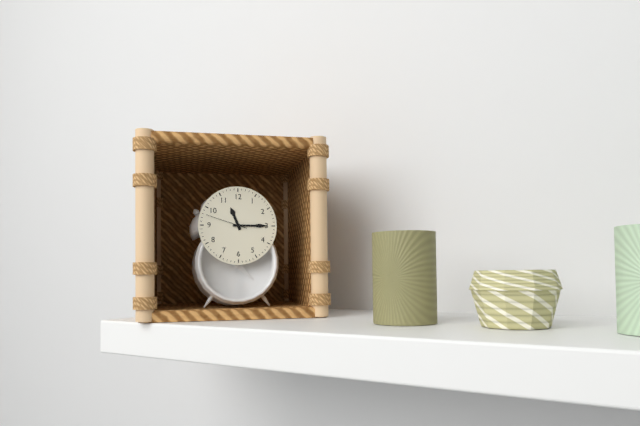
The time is 11:15
